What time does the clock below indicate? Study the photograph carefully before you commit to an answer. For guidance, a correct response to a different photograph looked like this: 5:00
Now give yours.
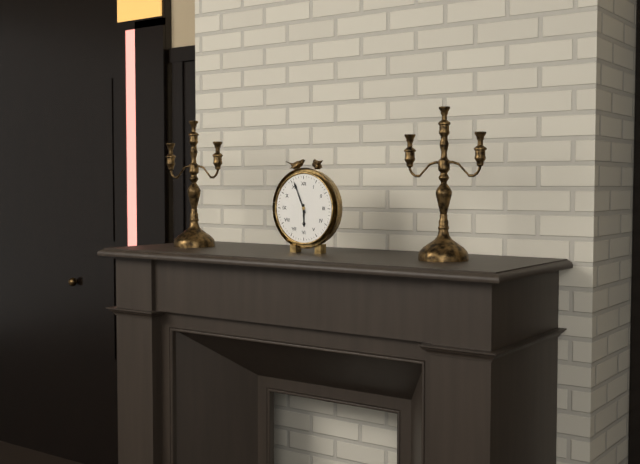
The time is 5:56
